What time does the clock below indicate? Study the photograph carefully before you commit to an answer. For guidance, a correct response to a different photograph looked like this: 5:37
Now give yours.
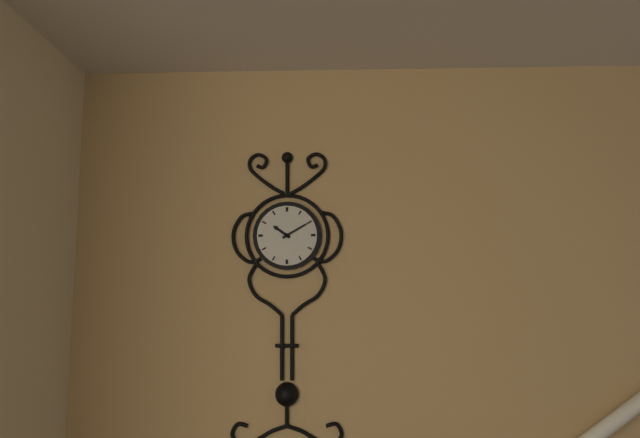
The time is 10:10
